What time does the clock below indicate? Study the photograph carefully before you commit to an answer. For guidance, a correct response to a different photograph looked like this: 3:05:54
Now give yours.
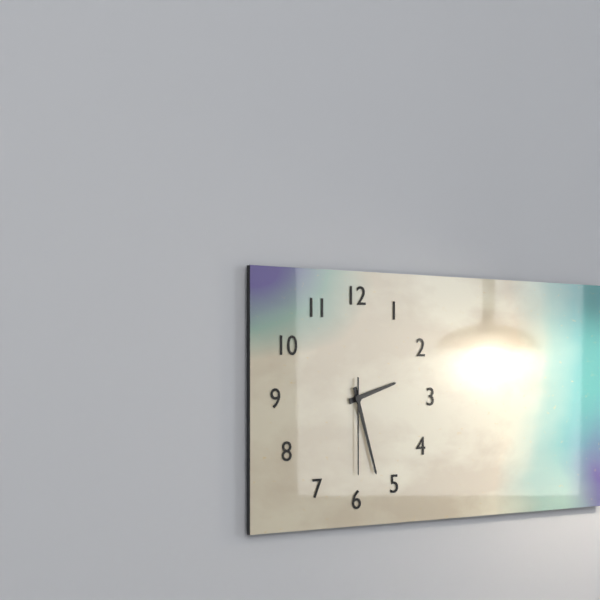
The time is 2:27:30
